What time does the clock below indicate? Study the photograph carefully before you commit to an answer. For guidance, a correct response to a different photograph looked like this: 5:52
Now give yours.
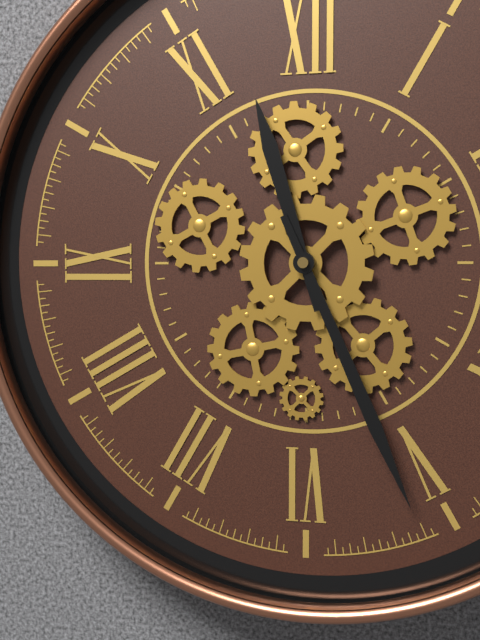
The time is 11:26
